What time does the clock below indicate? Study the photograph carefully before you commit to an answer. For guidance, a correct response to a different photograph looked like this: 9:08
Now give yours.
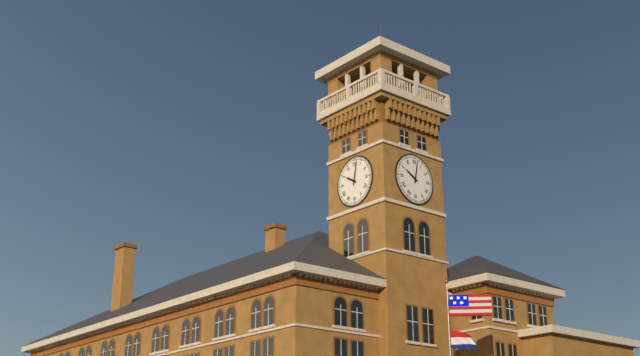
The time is 10:02
